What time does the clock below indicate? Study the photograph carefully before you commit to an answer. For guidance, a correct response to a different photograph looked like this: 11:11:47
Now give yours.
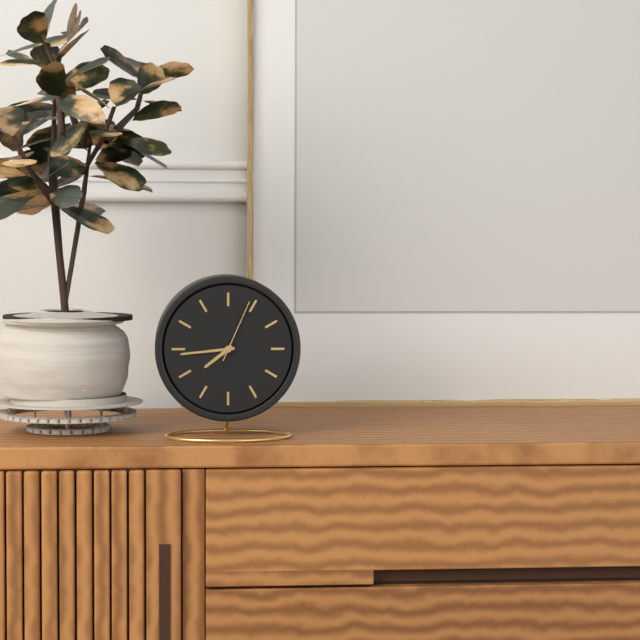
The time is 7:44:04
